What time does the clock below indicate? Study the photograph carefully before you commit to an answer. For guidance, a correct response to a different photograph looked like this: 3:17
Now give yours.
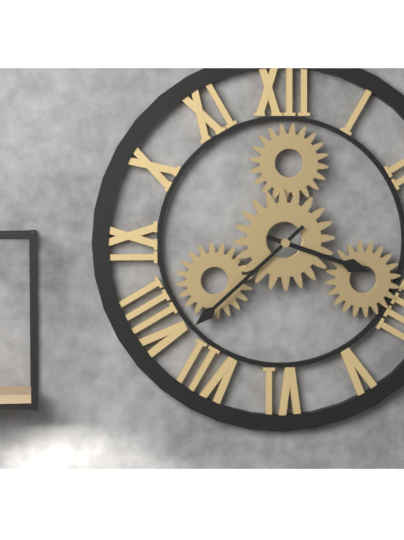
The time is 3:38
